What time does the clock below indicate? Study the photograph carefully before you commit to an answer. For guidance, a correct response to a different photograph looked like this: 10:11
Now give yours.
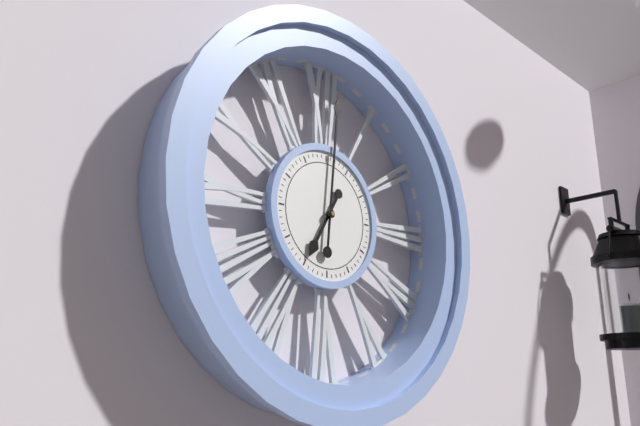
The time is 7:01
